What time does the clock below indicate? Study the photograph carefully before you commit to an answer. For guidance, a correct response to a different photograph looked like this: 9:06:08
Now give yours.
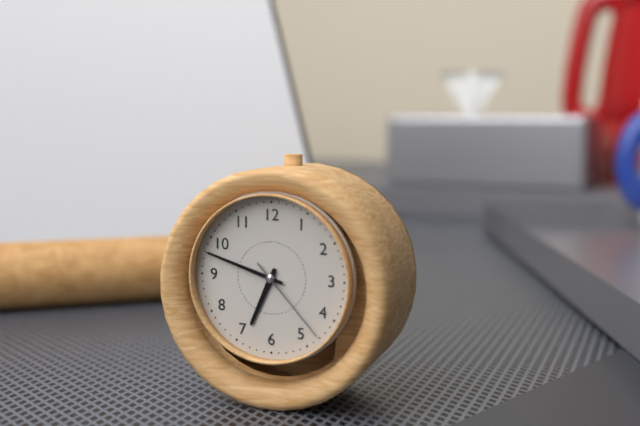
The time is 6:48:23
